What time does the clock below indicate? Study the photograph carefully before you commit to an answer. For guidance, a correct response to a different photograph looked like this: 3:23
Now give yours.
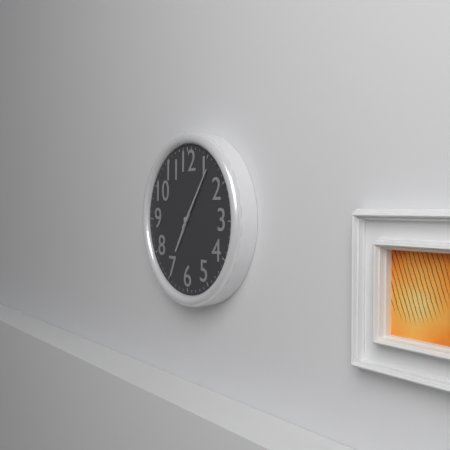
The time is 7:06
